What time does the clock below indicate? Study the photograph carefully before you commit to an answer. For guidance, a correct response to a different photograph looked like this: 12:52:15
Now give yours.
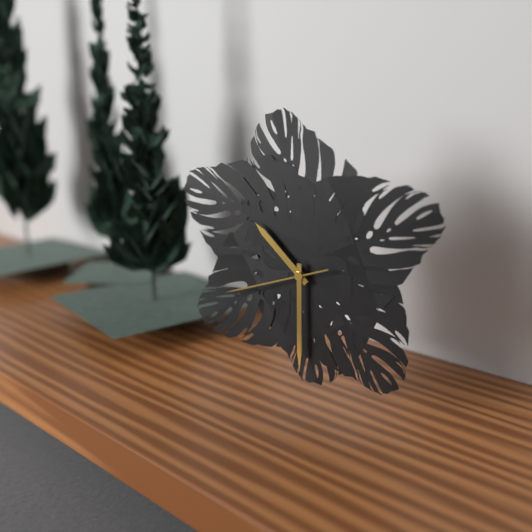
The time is 10:30:42
